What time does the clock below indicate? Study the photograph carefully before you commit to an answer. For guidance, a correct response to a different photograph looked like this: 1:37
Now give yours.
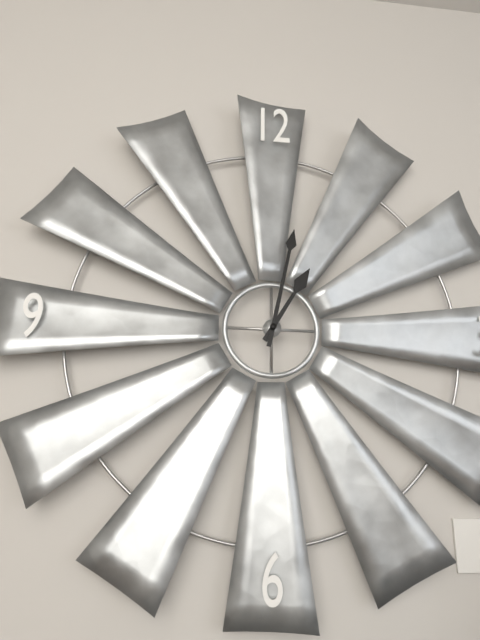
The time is 1:02
